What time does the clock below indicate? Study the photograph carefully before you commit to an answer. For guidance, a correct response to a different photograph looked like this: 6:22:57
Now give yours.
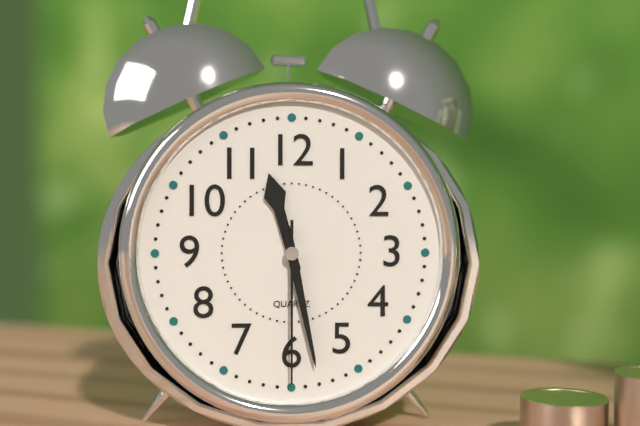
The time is 11:28:30
